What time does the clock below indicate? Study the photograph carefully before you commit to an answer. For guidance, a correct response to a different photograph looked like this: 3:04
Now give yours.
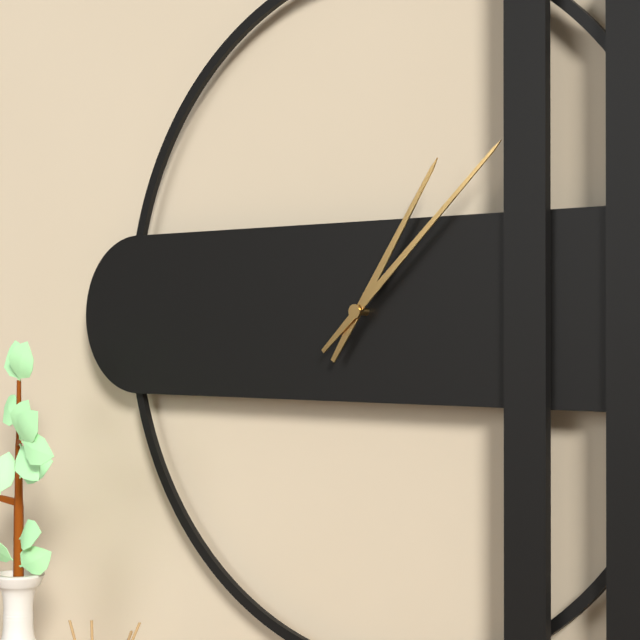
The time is 1:08
